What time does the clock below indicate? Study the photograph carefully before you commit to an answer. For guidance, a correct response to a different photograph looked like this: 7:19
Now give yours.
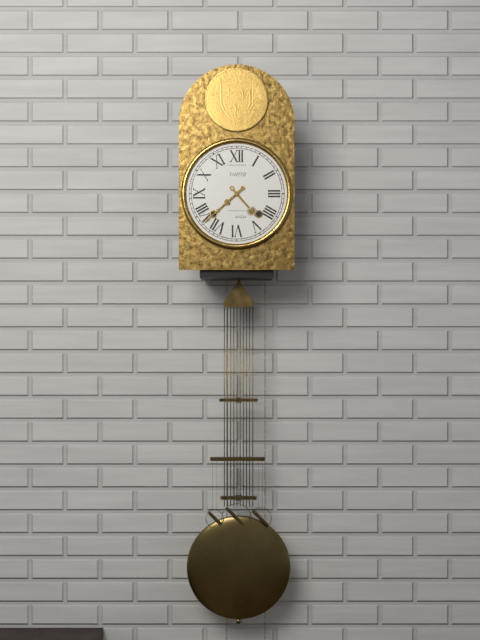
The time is 4:38
